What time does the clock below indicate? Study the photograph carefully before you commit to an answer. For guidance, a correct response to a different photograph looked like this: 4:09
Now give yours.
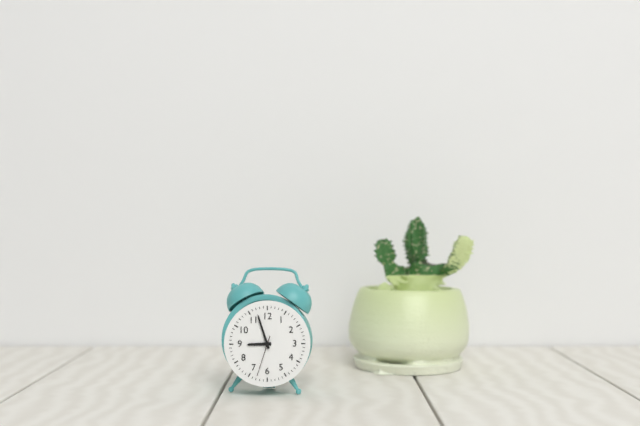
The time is 8:57
